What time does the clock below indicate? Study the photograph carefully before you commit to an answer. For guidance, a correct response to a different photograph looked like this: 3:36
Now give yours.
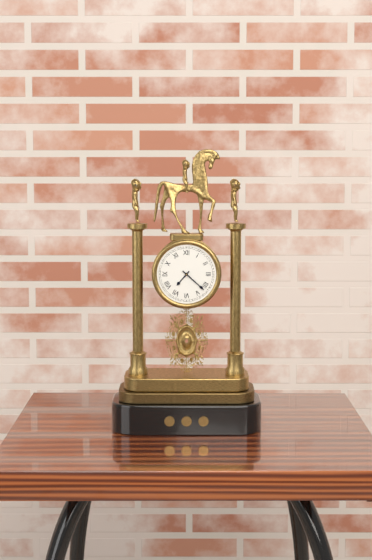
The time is 7:22
